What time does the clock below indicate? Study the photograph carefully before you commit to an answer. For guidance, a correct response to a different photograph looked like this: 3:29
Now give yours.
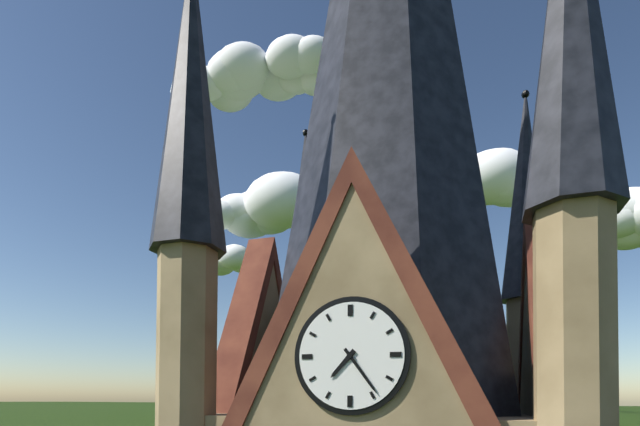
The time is 7:24
